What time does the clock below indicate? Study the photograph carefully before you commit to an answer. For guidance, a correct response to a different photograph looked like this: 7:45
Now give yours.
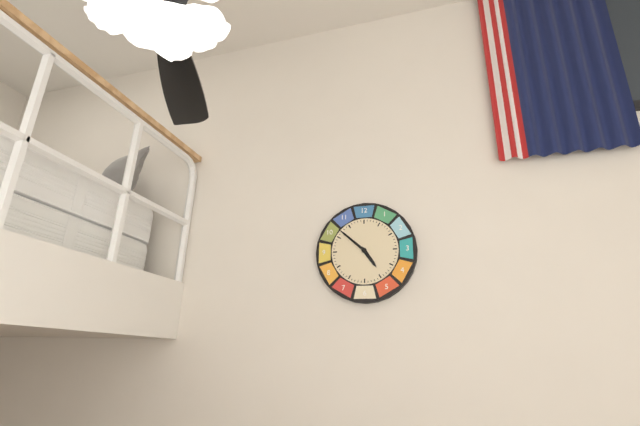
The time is 4:52
